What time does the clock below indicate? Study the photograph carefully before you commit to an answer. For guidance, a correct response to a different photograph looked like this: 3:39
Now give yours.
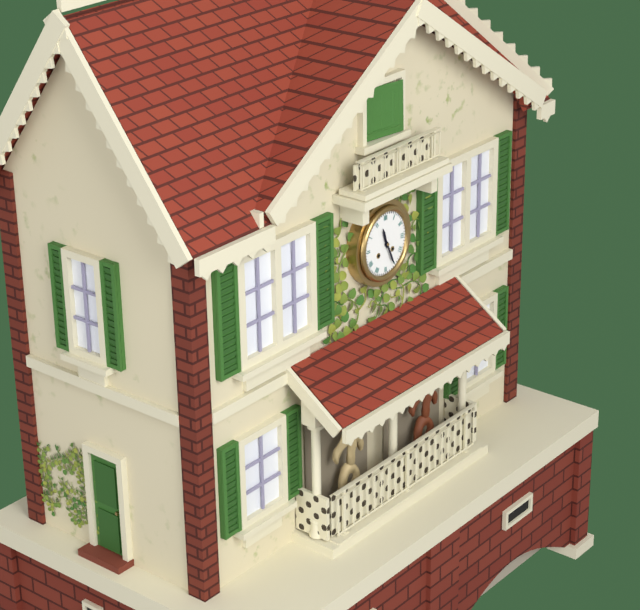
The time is 11:26
